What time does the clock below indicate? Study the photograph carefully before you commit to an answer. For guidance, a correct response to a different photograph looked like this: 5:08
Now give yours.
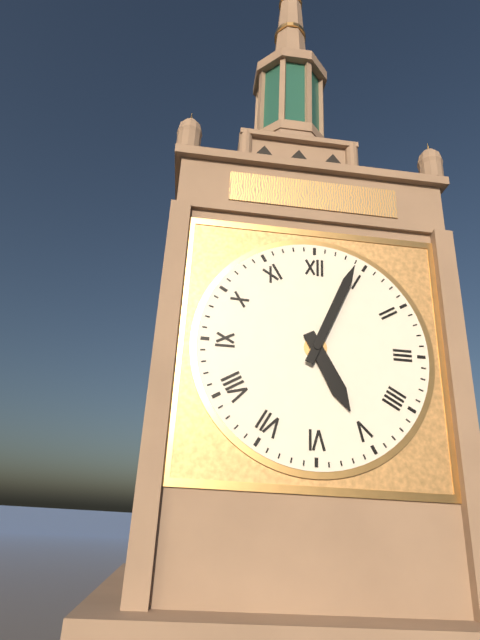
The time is 5:04
